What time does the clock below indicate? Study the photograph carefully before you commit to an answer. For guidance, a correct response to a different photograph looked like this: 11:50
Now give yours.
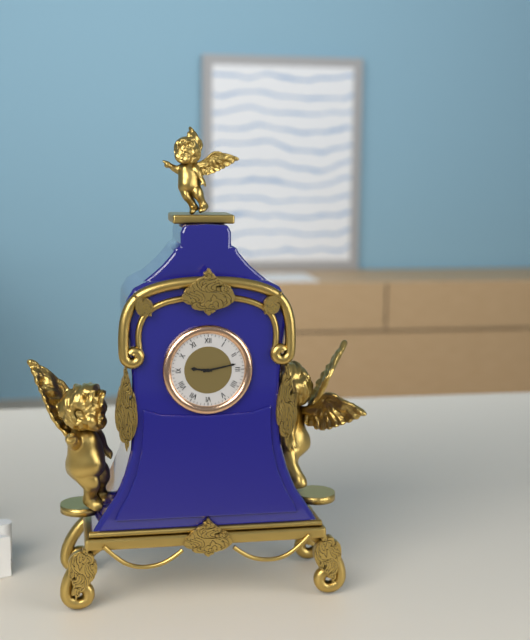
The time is 9:13
